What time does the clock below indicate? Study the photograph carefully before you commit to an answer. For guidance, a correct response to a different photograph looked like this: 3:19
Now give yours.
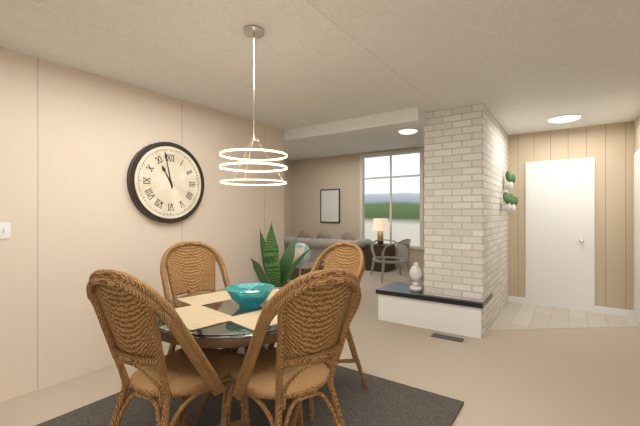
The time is 10:58
